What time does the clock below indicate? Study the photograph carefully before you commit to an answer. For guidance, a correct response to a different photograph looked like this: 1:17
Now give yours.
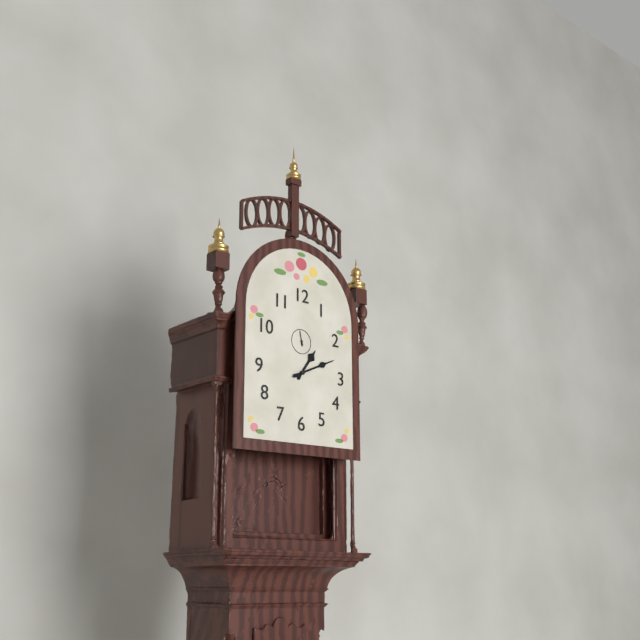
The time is 1:11
